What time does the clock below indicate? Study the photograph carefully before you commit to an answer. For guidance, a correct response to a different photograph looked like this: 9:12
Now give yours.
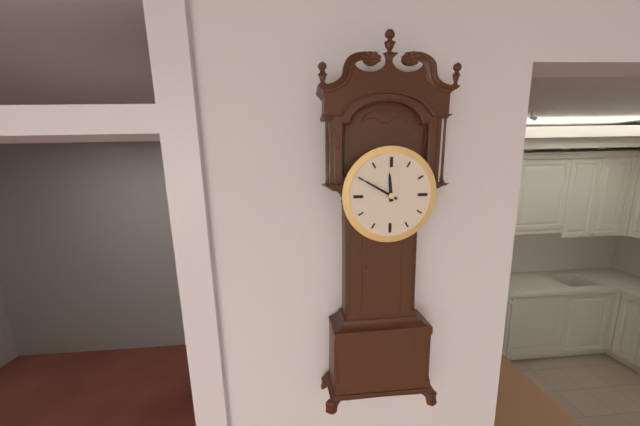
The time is 11:50
